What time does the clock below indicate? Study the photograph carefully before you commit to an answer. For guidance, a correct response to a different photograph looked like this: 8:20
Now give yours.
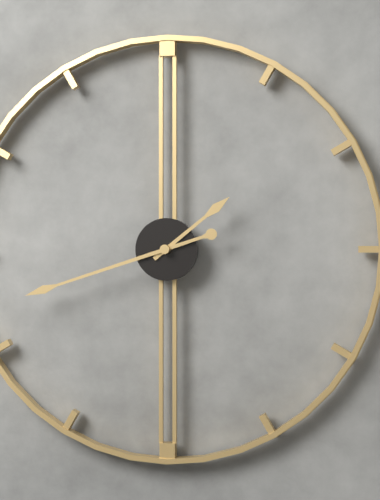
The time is 1:42
